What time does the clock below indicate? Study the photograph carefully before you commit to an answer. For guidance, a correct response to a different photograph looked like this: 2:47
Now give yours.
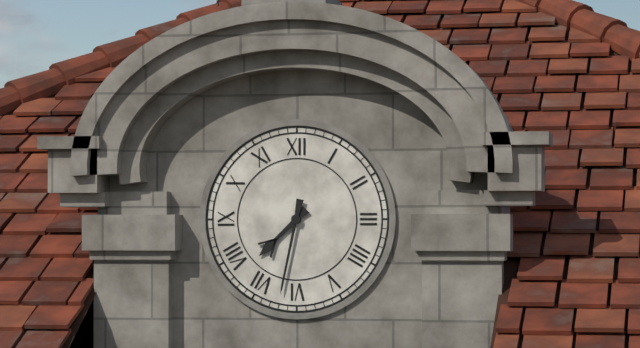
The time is 7:32
